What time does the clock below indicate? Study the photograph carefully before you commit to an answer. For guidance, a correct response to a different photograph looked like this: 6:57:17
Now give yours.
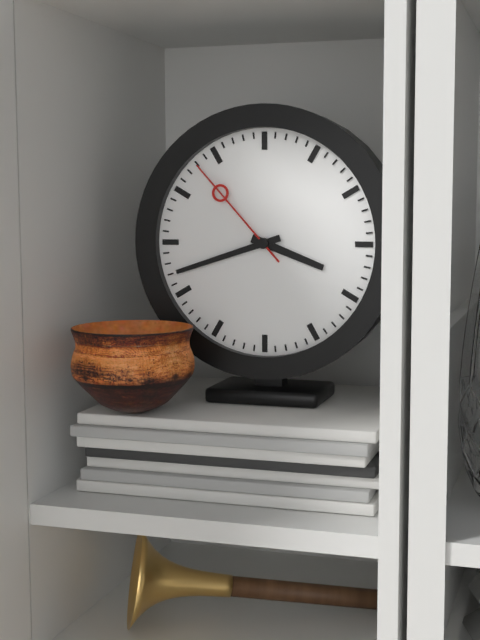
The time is 3:42:53
